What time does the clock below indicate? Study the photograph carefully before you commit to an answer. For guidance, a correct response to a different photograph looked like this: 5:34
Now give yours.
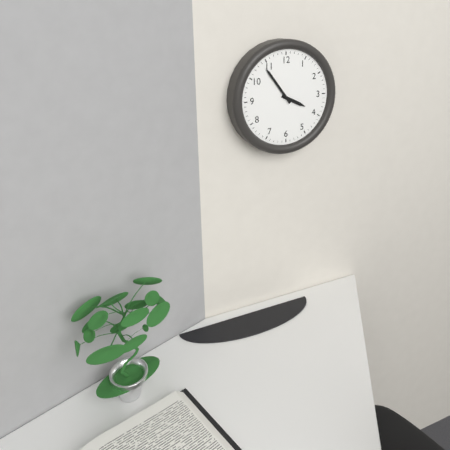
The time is 3:54
